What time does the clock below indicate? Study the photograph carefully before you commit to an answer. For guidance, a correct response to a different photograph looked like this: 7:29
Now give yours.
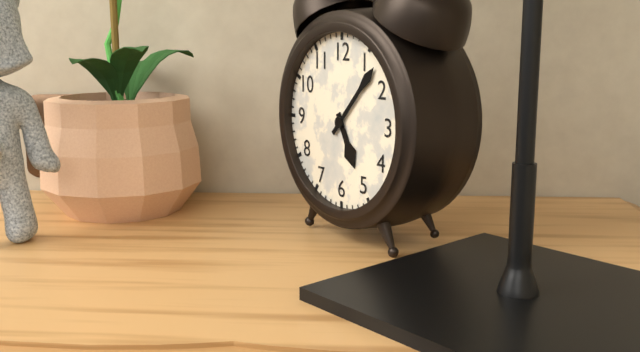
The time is 5:07
